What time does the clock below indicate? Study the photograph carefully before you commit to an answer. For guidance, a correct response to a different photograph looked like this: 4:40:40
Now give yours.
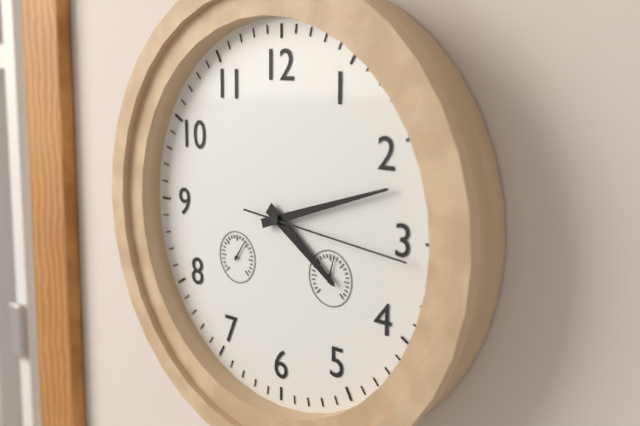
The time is 4:12:16
